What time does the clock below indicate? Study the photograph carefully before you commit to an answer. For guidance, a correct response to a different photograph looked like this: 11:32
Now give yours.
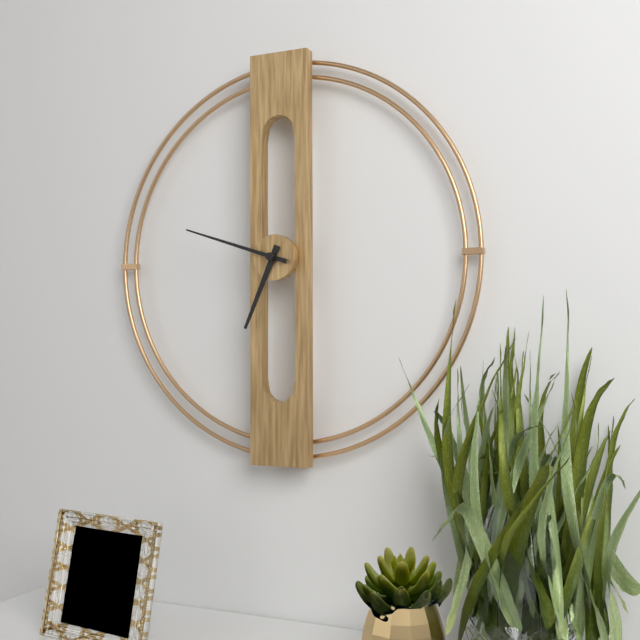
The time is 6:48
